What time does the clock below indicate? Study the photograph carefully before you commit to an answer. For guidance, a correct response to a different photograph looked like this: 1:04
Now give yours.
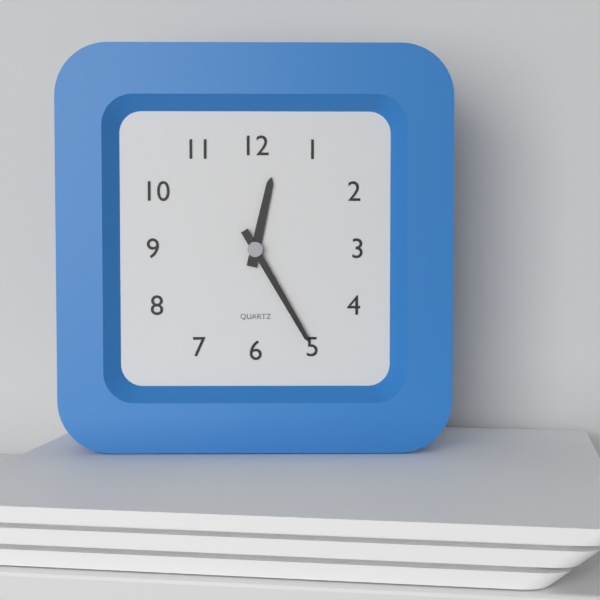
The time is 12:25
